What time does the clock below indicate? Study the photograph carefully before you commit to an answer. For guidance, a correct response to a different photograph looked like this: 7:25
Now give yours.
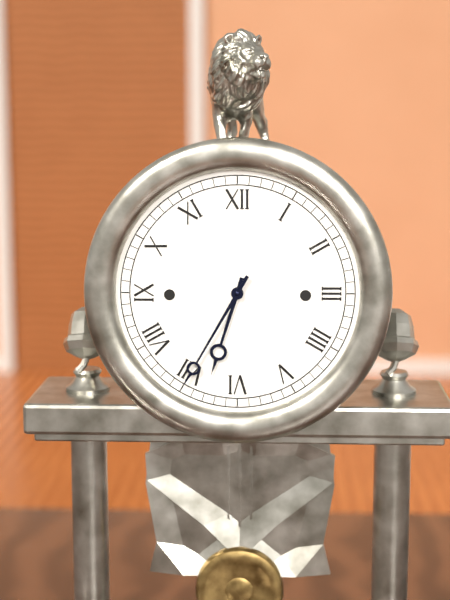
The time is 6:35
